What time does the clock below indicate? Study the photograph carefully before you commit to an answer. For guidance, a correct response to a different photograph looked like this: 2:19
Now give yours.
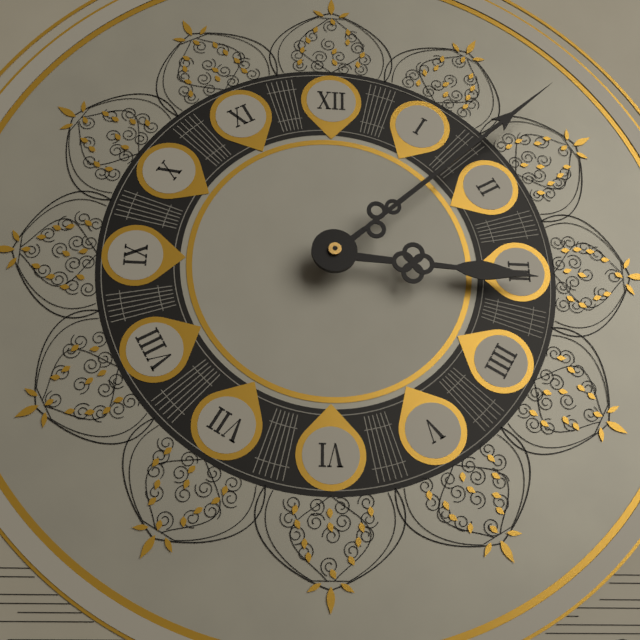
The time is 3:08
